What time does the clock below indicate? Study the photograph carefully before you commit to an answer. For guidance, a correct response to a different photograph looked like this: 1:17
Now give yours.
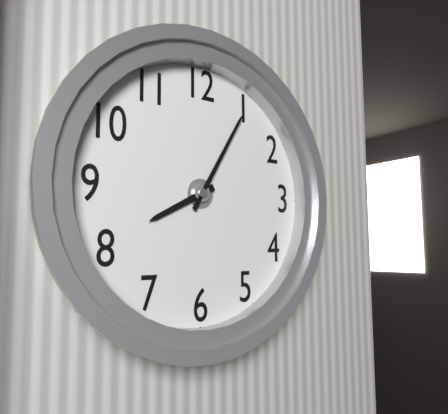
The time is 8:05
